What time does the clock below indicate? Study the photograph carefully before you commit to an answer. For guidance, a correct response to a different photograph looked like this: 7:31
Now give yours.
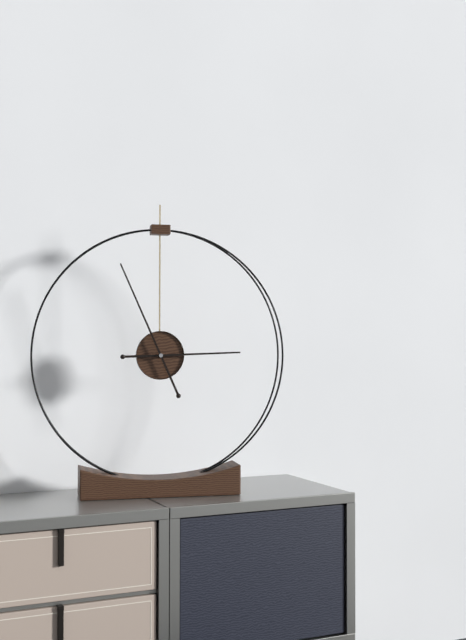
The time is 2:56
